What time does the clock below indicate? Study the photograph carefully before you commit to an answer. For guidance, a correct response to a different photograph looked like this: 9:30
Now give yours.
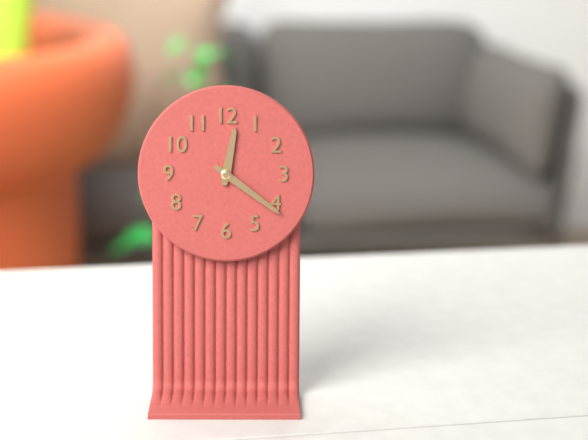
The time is 12:21
